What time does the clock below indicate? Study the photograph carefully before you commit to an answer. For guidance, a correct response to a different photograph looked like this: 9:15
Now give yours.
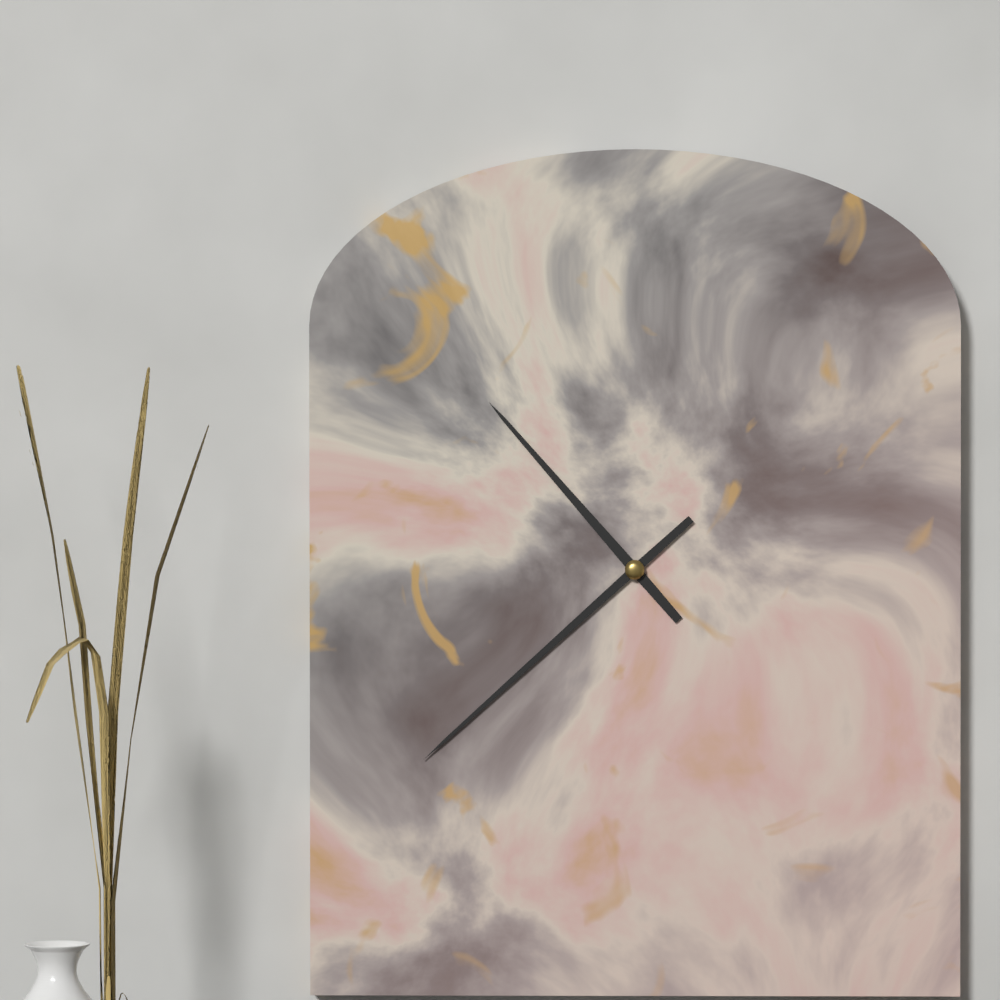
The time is 10:38
